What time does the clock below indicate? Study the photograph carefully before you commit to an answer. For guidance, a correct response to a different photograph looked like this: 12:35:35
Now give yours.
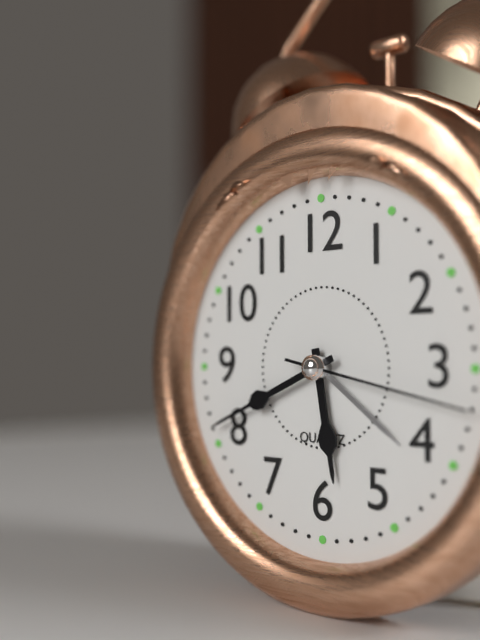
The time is 5:41:17
